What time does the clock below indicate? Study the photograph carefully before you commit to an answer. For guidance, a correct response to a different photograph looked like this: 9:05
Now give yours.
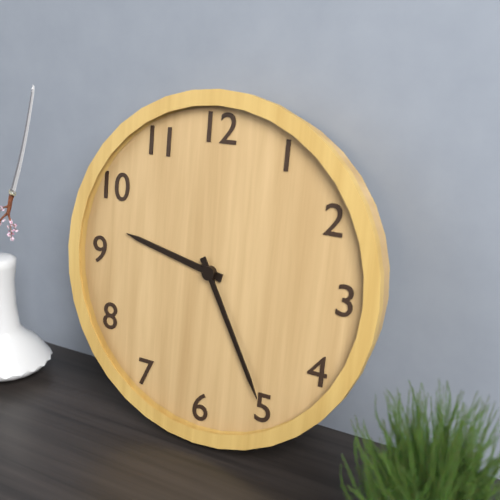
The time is 9:25
